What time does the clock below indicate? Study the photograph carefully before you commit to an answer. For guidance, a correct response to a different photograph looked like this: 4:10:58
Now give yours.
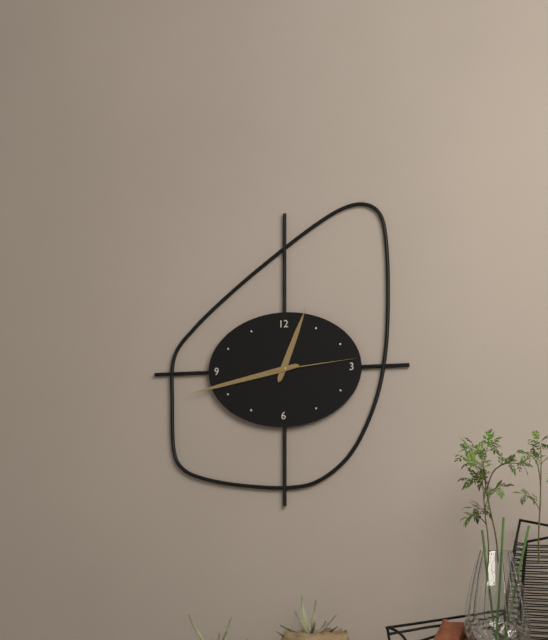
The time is 12:43:14
